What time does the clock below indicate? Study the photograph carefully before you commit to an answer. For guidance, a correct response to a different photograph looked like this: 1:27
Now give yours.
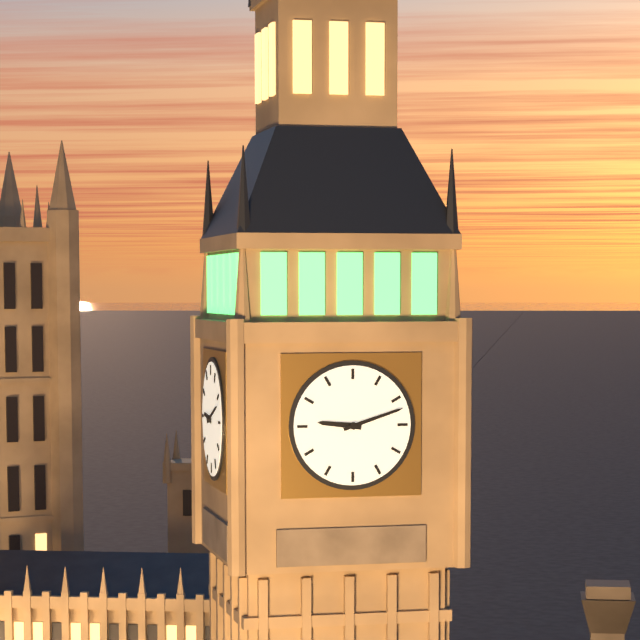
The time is 9:12
